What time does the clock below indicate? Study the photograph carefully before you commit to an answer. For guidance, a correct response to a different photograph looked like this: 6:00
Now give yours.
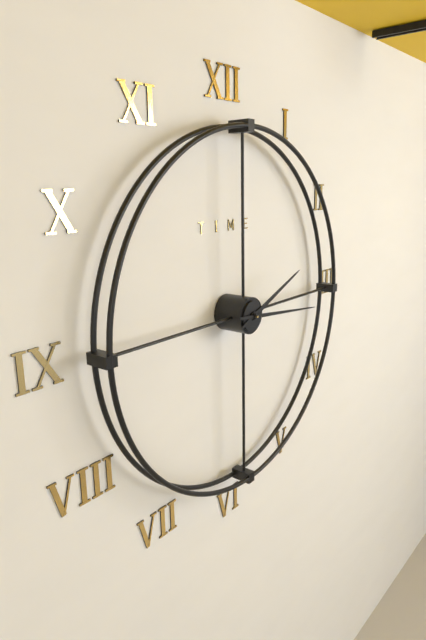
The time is 2:16
